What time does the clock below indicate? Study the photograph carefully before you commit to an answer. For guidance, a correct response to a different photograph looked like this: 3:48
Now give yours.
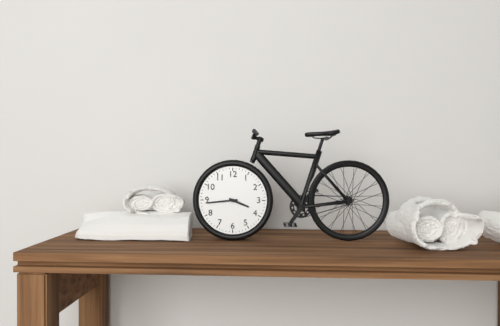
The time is 3:44
